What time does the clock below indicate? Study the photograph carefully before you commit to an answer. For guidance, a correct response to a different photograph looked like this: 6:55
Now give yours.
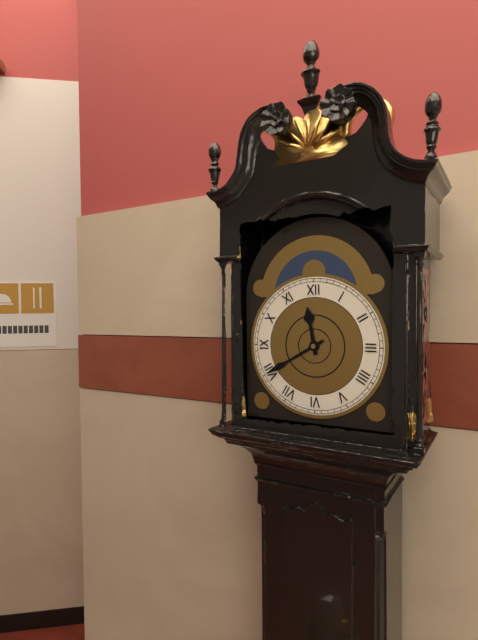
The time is 11:40
